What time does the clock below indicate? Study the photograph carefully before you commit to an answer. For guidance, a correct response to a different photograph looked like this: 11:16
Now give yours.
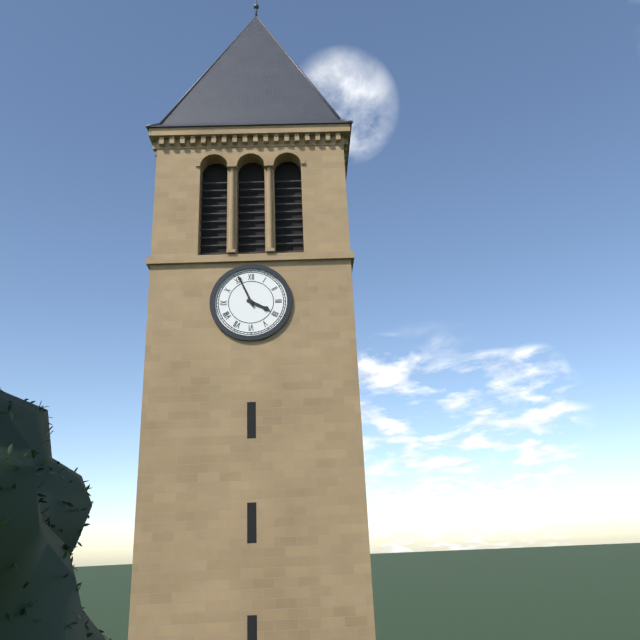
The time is 3:56
